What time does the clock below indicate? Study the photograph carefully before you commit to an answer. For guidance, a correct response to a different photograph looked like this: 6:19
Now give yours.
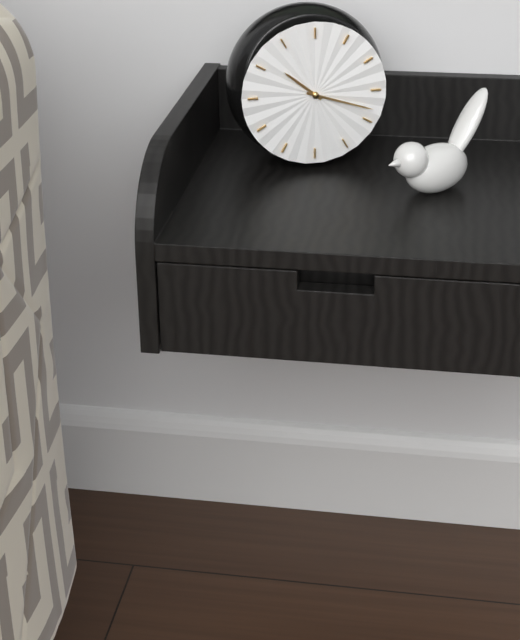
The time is 10:18
